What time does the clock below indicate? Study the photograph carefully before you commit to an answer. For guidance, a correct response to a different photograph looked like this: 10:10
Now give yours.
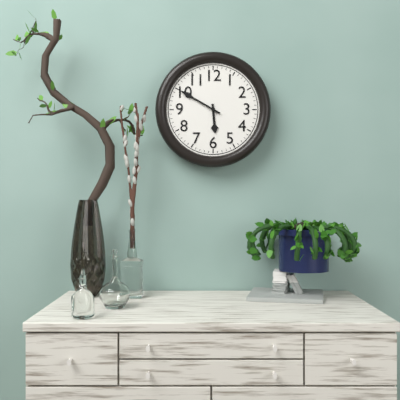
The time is 5:50
